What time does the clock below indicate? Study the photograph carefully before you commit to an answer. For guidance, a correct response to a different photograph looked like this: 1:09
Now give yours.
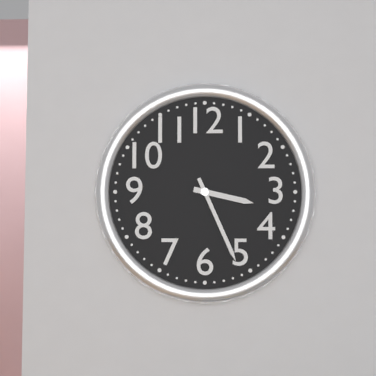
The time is 3:26
